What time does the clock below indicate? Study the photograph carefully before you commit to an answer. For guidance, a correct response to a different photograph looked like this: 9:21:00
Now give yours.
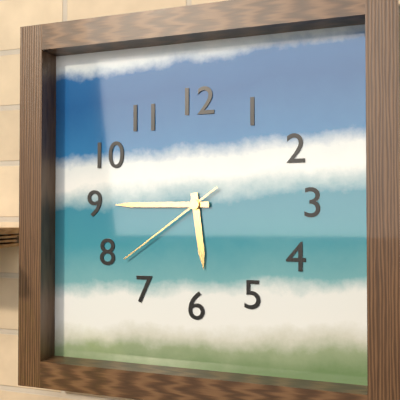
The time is 5:45:39
